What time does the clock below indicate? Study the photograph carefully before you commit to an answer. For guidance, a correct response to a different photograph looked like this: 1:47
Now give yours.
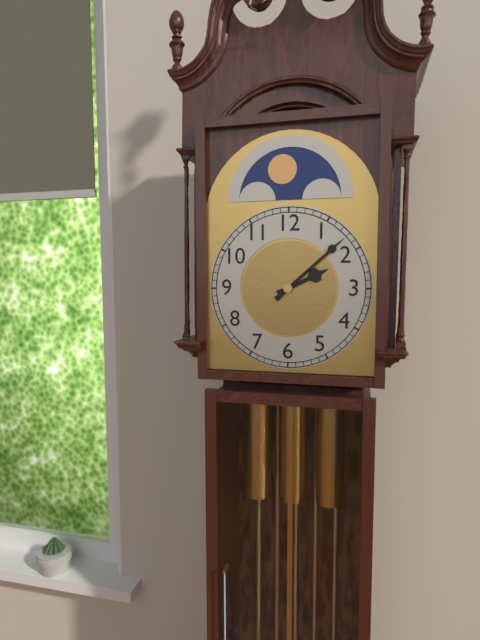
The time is 2:08
